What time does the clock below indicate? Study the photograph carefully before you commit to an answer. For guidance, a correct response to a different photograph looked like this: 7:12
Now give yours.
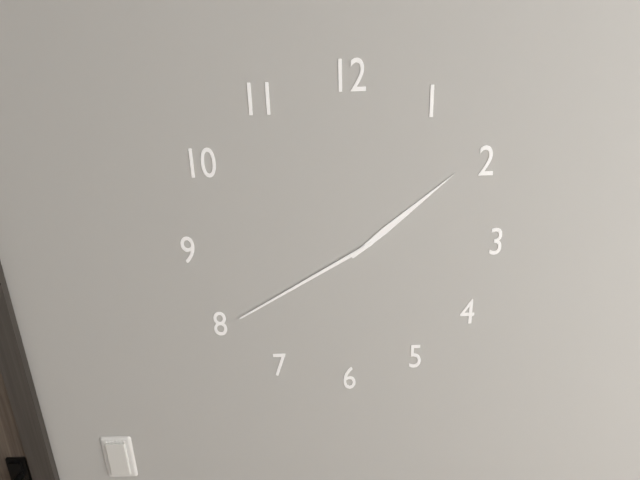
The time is 1:40
